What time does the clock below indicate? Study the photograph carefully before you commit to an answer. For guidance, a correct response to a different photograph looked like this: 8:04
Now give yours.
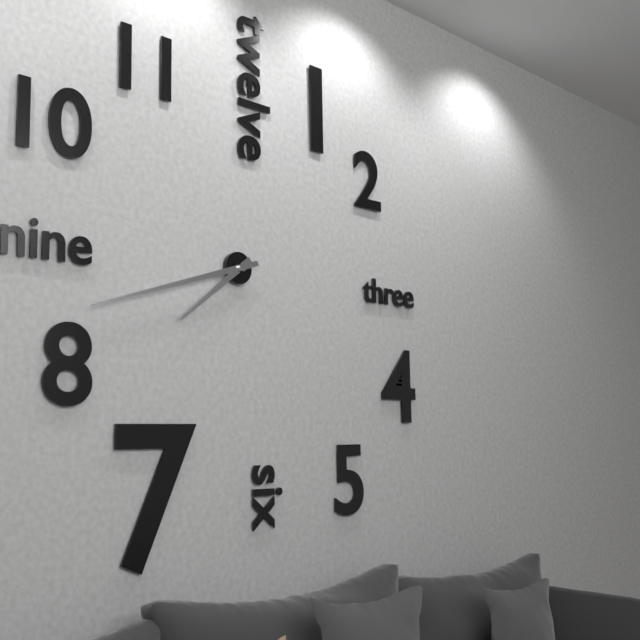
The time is 7:42
